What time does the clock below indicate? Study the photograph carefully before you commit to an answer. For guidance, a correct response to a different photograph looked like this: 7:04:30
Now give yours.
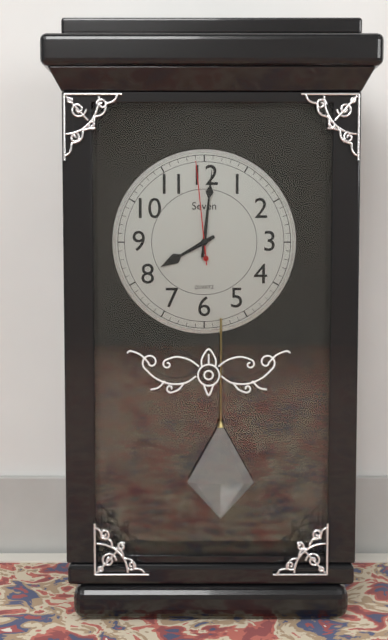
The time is 8:01:59
